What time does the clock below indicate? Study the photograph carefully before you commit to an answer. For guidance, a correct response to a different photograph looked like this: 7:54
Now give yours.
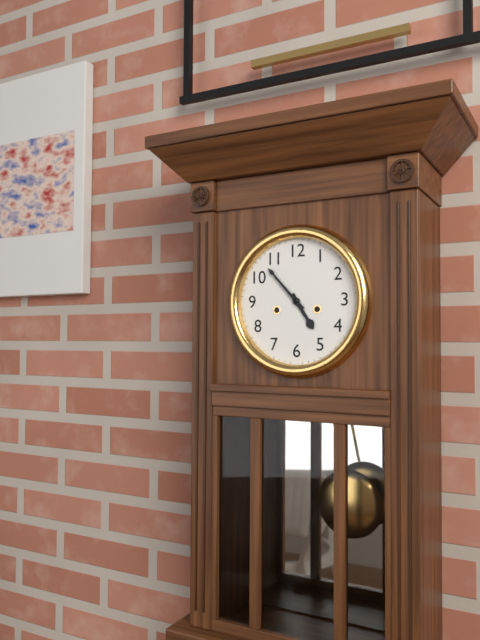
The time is 4:53
